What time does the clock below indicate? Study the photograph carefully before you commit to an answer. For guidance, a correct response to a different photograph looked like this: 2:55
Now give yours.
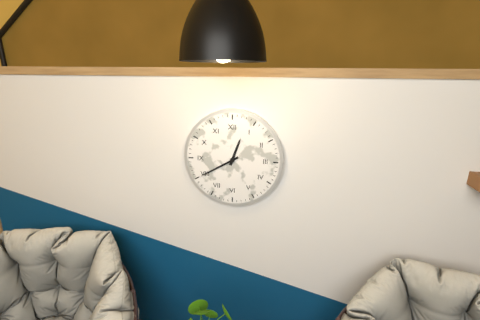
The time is 12:40
